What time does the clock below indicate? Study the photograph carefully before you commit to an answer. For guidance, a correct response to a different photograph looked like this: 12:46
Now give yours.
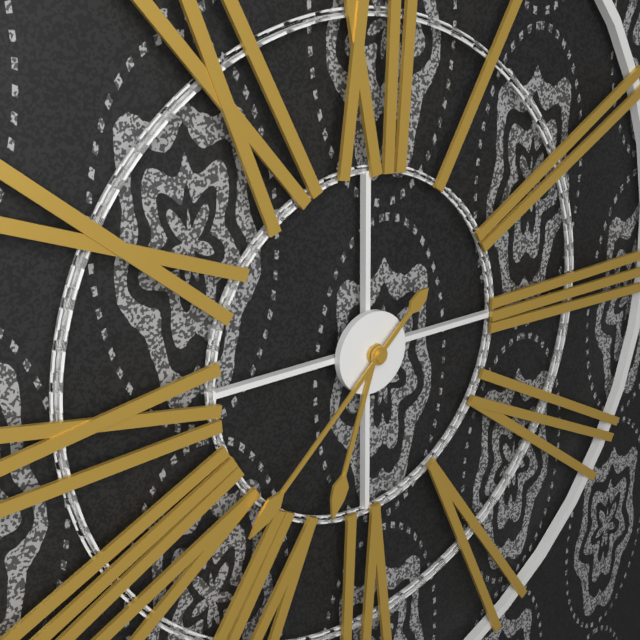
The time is 6:38
